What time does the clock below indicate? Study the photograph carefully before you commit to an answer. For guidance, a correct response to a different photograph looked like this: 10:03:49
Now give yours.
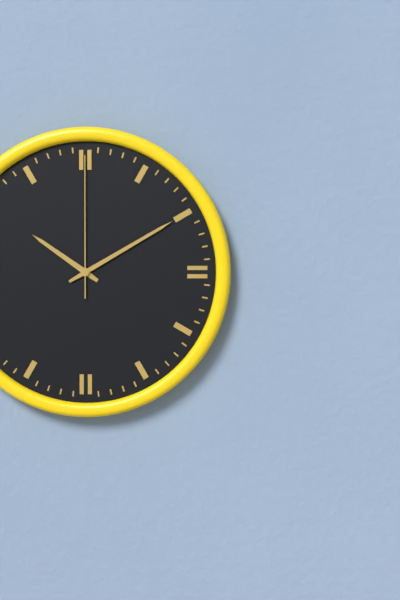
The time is 10:10:00
